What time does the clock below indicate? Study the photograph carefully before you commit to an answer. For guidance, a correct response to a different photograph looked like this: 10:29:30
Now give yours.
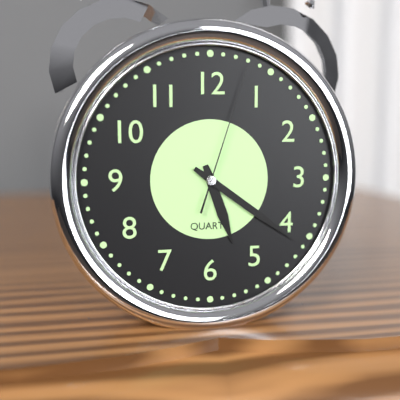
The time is 5:21:03
